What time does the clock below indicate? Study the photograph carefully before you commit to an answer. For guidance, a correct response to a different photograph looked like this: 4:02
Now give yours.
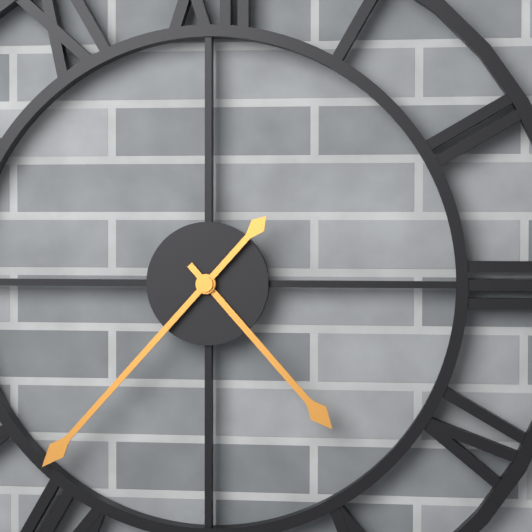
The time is 4:37
